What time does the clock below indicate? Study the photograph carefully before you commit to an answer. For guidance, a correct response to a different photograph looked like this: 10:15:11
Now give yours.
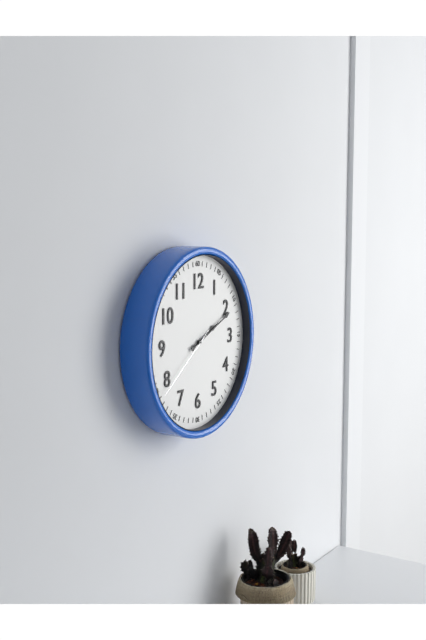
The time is 2:11:39
